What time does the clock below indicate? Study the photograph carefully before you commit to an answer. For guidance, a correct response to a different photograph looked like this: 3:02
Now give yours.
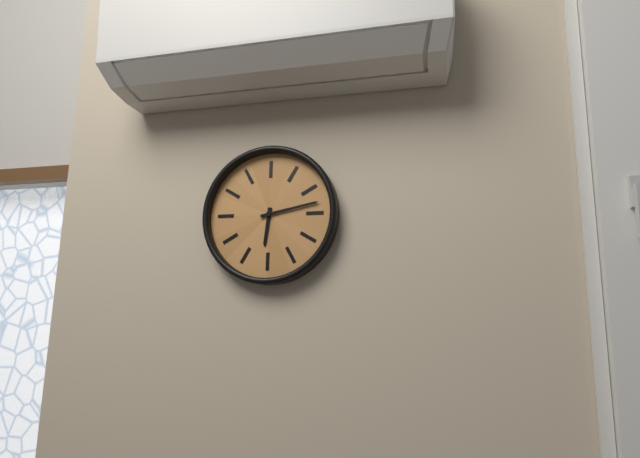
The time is 6:13
